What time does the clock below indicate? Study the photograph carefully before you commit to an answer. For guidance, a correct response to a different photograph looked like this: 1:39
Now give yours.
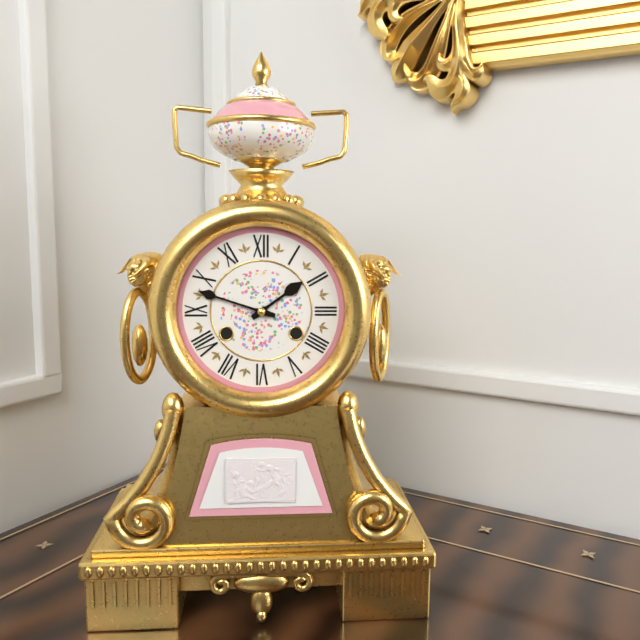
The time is 1:48
